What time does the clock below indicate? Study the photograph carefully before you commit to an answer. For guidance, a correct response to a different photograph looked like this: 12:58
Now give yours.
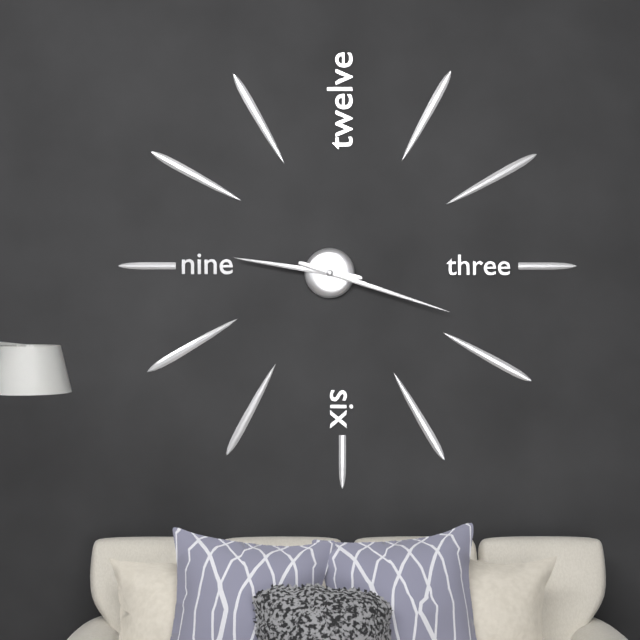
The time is 9:18
